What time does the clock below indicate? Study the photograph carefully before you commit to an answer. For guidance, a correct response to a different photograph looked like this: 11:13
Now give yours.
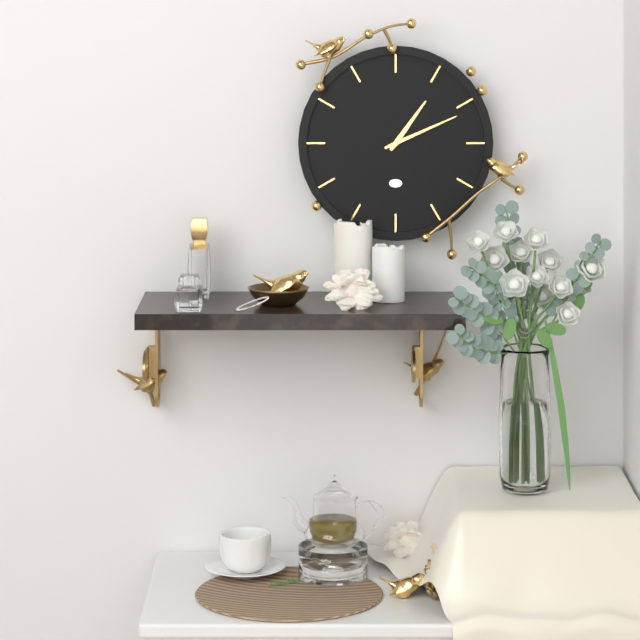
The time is 1:11
